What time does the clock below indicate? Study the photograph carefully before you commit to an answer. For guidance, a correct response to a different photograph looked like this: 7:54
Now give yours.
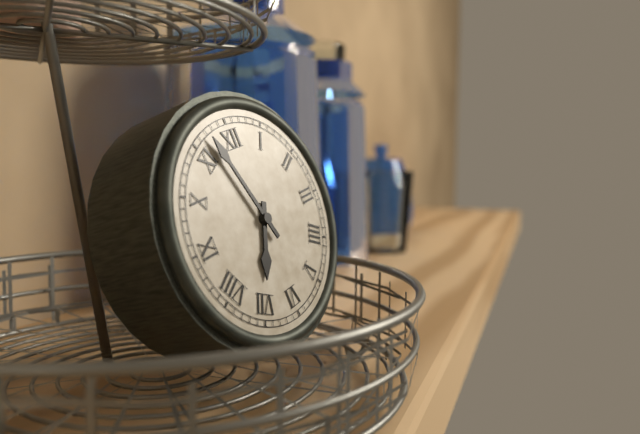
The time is 6:57
